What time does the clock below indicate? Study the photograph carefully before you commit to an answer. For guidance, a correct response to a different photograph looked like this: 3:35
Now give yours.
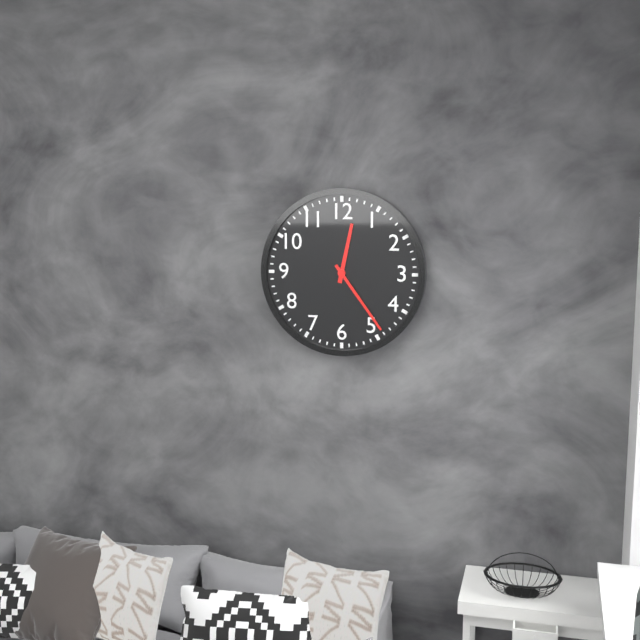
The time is 12:24
